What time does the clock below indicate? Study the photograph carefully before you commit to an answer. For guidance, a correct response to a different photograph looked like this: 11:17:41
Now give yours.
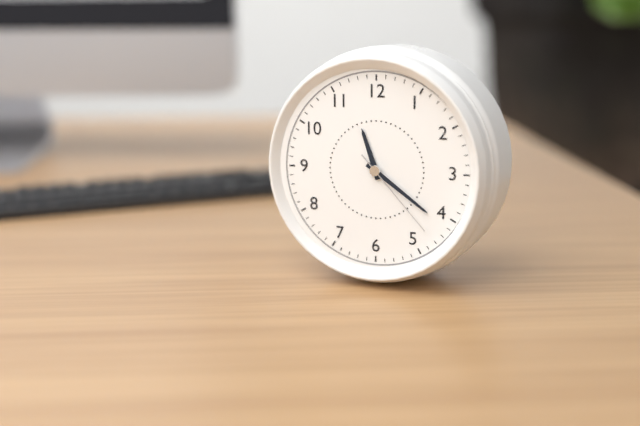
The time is 11:21:23
